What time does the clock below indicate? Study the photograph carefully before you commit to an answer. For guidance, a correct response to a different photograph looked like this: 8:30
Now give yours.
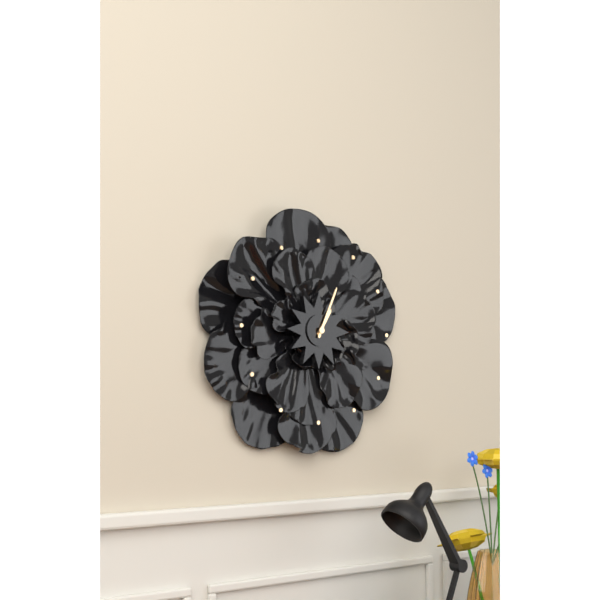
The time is 1:04
